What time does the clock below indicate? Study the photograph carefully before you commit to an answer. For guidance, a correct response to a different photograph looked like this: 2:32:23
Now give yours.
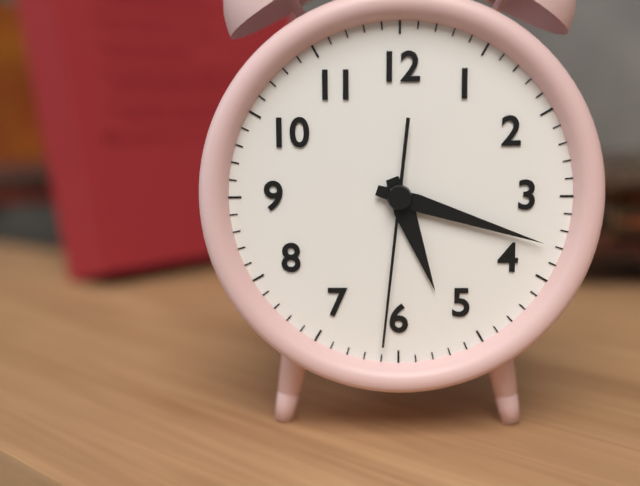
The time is 5:18:31
